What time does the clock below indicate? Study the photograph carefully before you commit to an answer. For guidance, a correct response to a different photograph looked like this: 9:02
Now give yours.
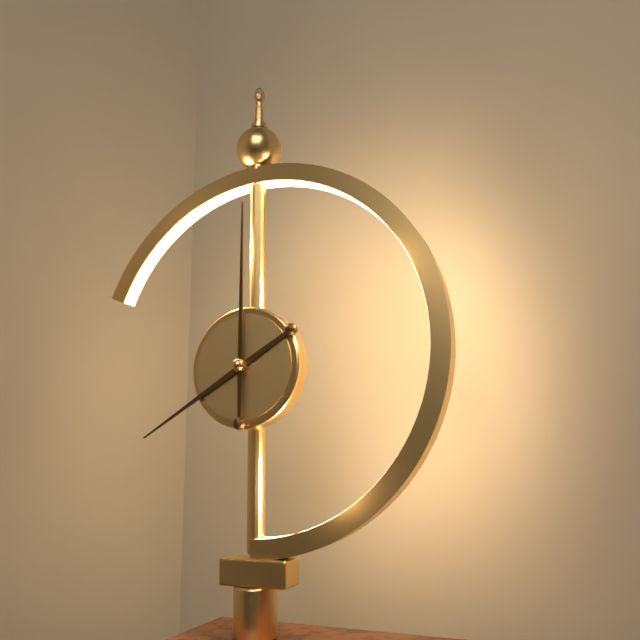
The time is 8:00
